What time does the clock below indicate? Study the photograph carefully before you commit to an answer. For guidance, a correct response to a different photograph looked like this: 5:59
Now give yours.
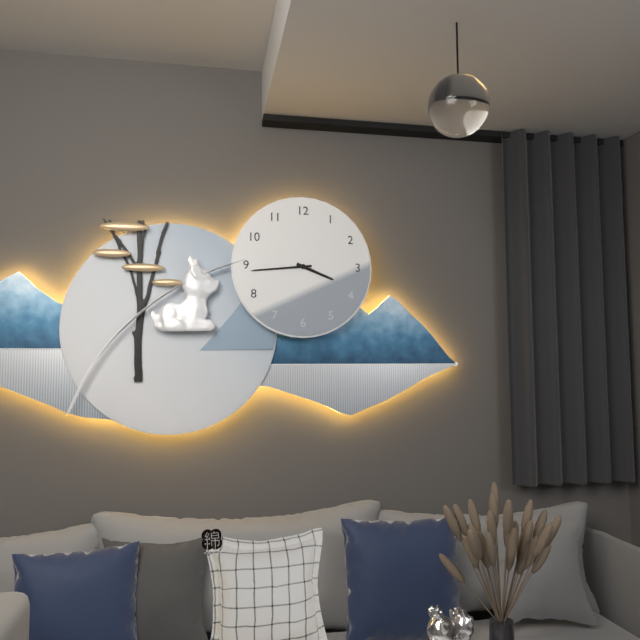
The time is 3:44
